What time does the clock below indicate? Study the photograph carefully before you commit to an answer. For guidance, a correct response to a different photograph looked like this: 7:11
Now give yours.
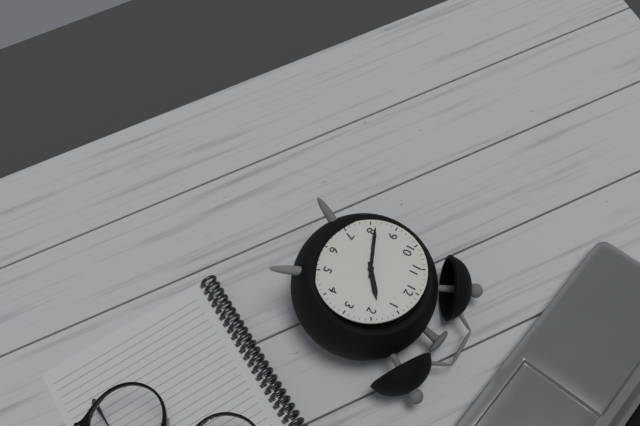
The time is 1:41
